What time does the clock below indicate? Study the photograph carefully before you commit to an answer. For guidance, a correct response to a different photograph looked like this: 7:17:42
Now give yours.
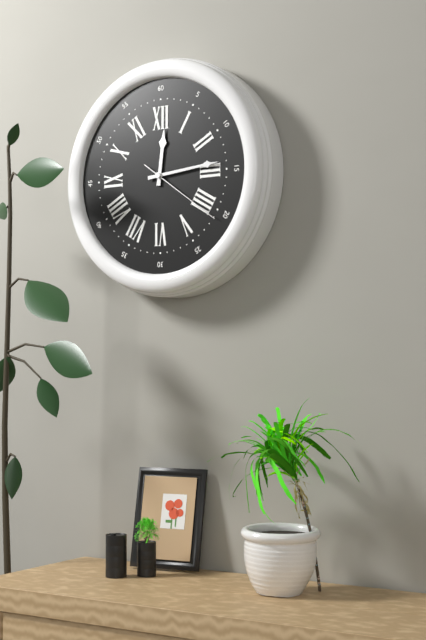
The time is 12:14:21
